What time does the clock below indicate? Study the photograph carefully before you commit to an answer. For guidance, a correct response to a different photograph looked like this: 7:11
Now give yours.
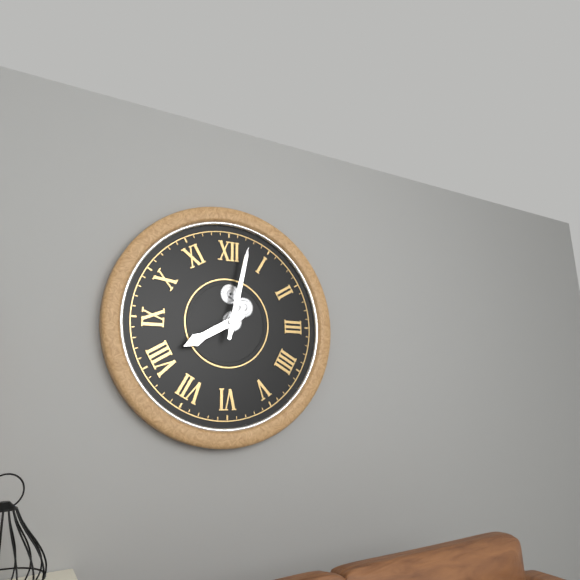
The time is 8:02
